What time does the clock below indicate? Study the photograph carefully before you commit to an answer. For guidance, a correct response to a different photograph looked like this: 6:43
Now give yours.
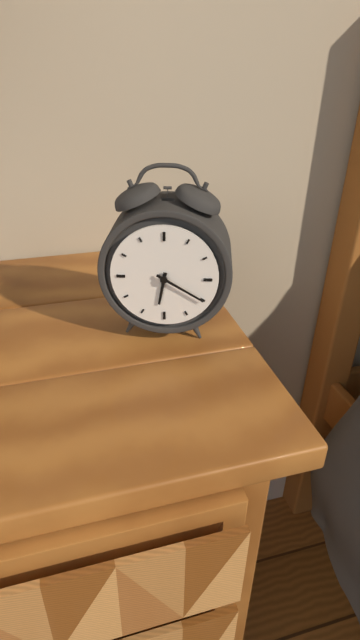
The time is 6:20
